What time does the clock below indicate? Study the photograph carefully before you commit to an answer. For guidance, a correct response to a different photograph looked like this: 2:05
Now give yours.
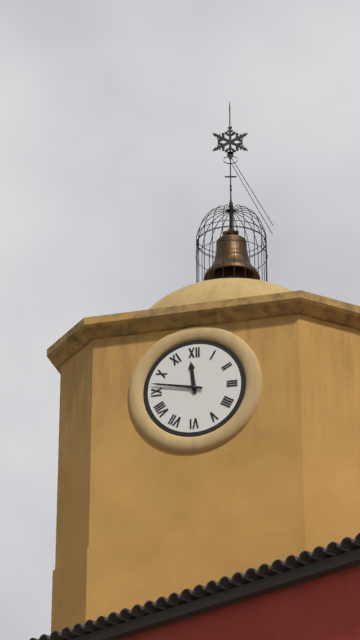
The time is 11:47
